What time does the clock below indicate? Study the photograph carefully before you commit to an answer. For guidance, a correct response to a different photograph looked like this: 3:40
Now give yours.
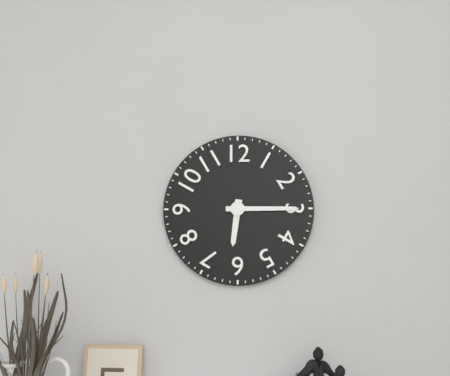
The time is 6:15
